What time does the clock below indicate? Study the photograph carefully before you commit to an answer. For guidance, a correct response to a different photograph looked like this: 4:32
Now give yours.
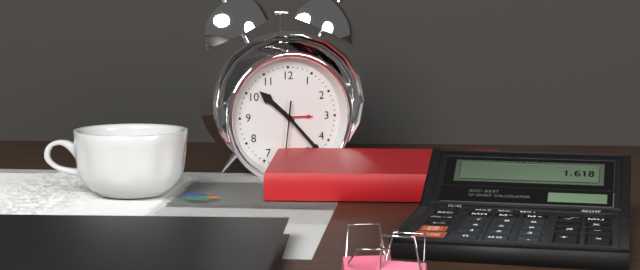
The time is 10:23
